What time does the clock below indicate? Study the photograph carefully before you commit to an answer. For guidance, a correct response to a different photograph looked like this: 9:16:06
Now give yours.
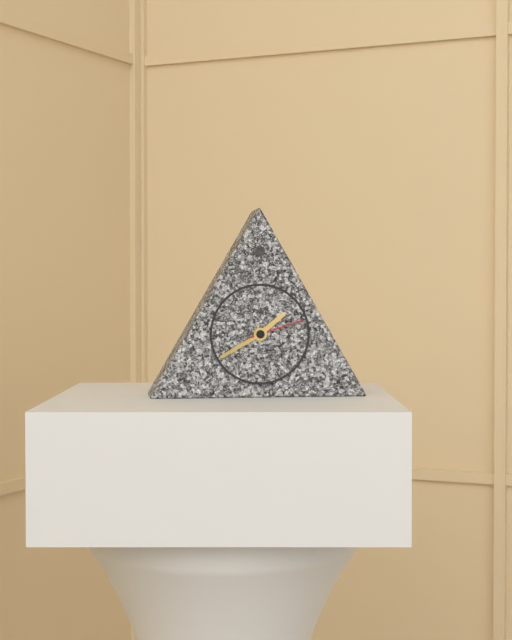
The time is 1:40:12
